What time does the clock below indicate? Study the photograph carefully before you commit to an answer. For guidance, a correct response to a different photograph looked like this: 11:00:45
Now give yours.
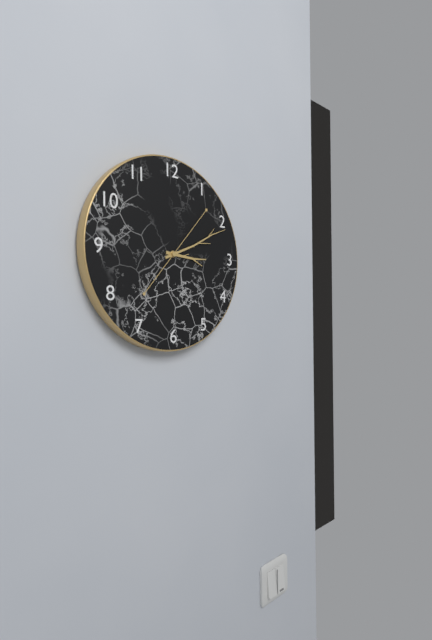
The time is 3:11:07
